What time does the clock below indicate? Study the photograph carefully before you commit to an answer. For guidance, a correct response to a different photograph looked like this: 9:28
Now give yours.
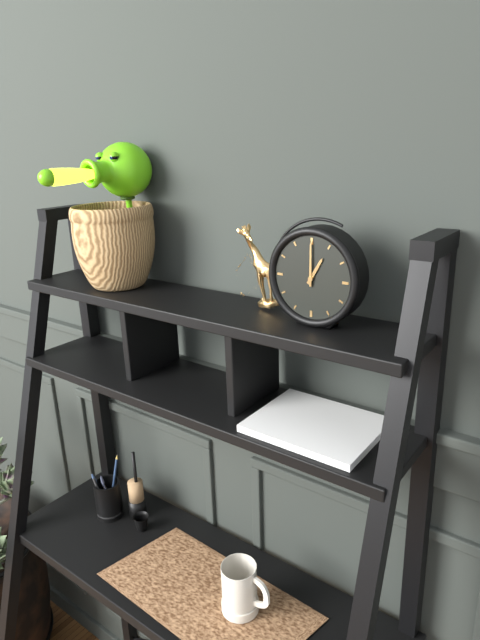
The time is 1:00
